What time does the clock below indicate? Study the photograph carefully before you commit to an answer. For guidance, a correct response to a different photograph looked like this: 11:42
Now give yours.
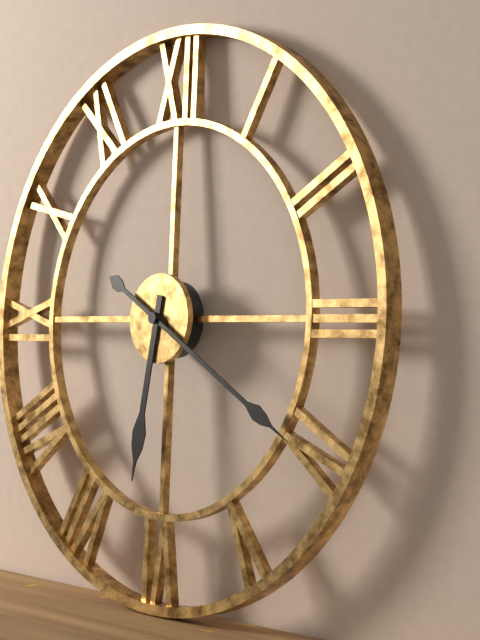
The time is 6:20
